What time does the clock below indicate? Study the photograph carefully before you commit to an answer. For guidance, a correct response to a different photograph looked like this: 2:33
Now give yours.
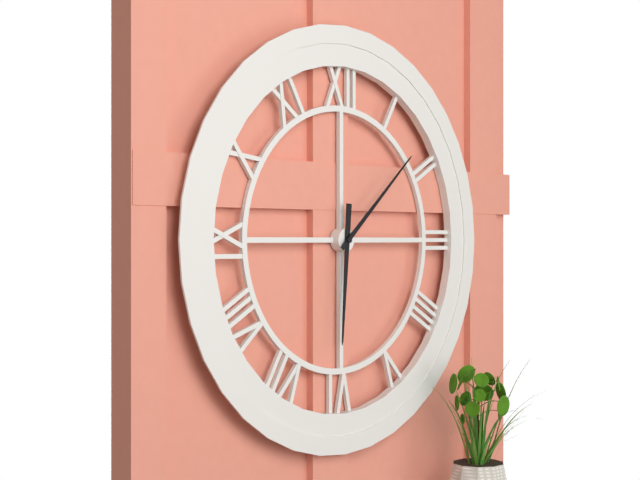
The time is 6:08
